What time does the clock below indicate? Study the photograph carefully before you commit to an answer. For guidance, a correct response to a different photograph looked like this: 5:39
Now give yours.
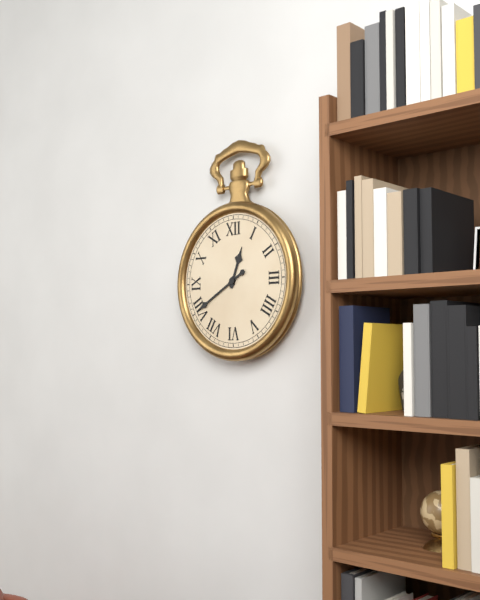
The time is 12:40
